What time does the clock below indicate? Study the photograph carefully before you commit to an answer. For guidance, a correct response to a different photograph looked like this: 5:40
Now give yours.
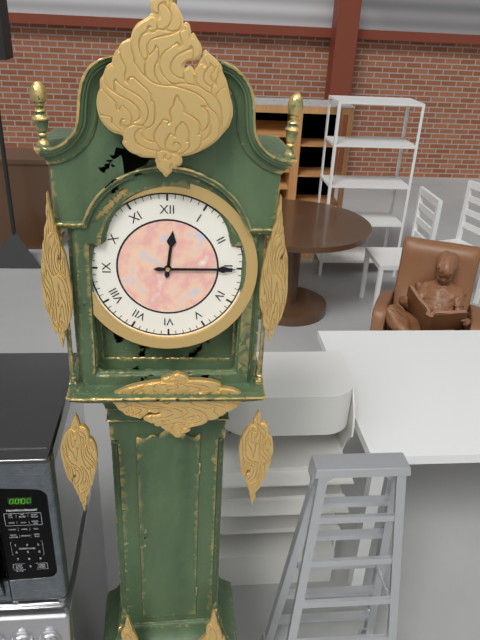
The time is 12:15
